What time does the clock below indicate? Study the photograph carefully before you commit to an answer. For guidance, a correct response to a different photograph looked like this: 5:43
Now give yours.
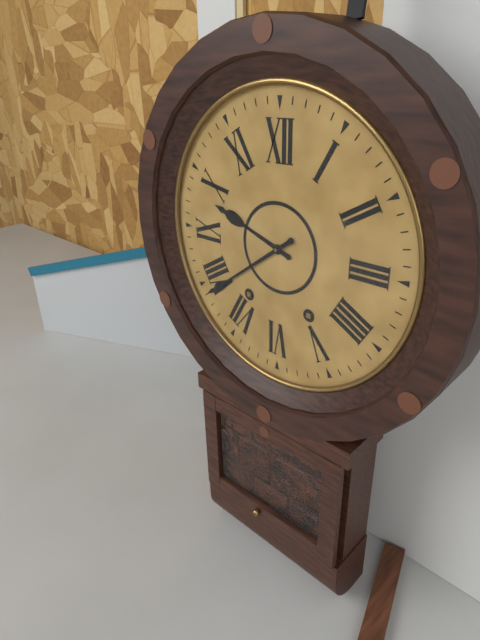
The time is 9:39
